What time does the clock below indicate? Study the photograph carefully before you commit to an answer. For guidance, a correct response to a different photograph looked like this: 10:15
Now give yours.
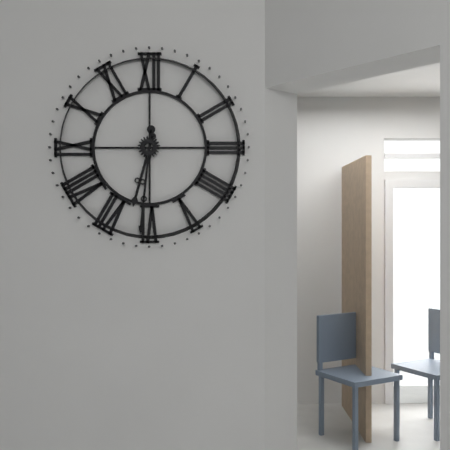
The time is 6:31
